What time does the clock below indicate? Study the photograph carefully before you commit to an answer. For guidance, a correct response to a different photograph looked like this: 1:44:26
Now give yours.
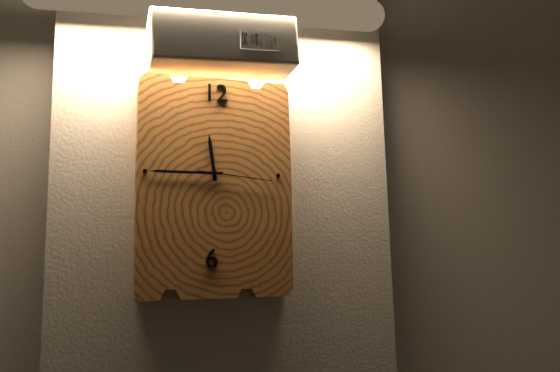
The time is 11:45:16
